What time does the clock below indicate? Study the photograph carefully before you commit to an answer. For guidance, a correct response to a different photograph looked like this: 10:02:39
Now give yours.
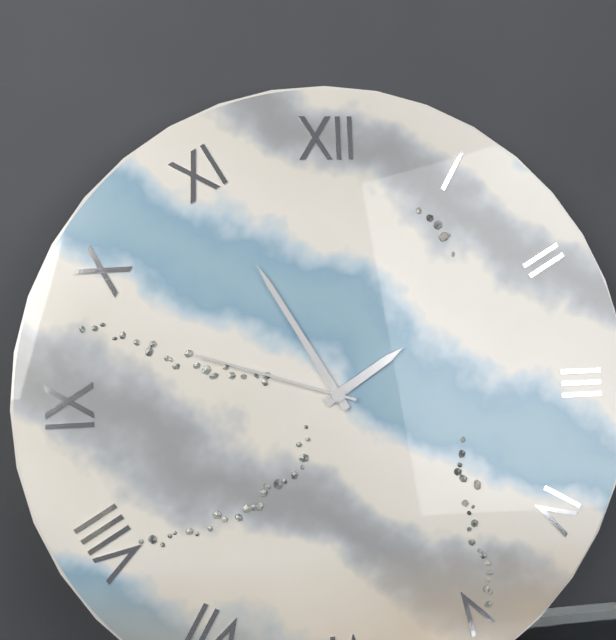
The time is 1:55:48
